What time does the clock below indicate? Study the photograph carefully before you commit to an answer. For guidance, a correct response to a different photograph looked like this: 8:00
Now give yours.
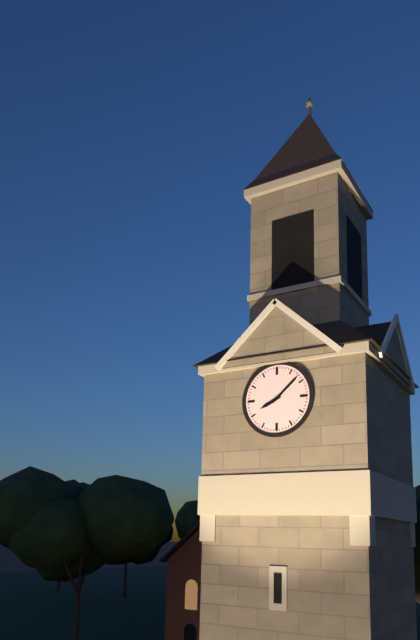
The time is 8:08
